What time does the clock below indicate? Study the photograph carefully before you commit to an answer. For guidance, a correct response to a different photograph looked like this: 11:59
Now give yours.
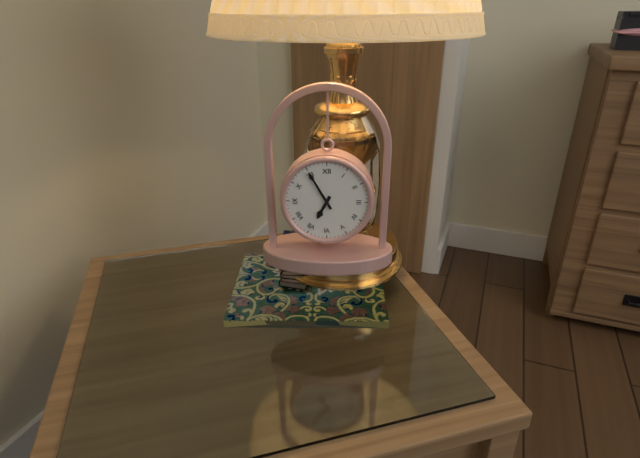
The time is 6:55
